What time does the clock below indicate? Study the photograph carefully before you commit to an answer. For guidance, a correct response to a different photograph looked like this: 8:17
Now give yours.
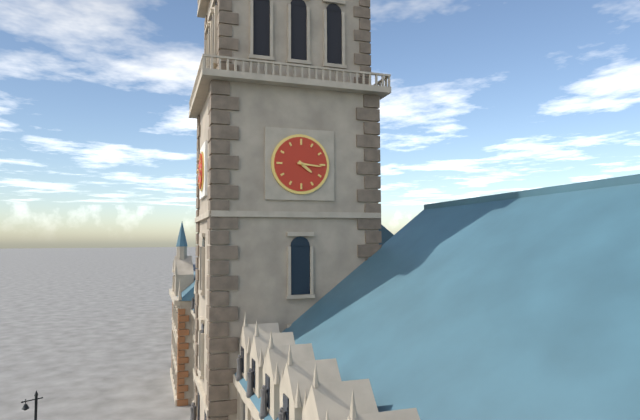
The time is 4:16
